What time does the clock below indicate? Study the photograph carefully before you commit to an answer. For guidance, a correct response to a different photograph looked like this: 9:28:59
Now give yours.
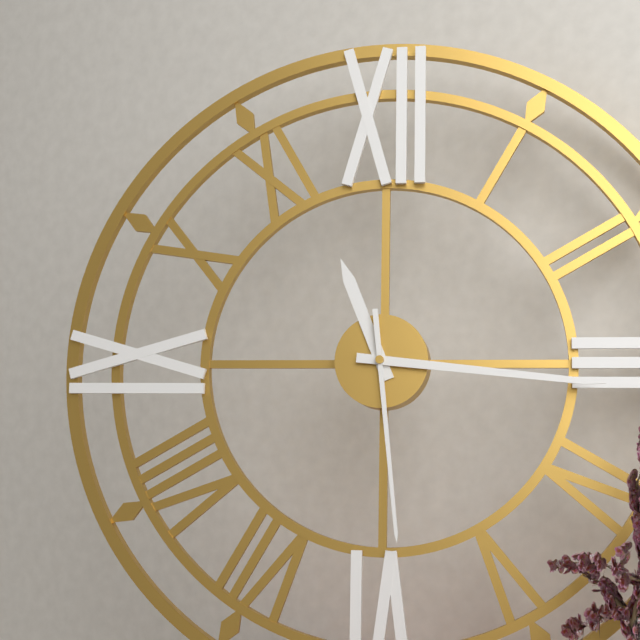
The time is 11:16:29
